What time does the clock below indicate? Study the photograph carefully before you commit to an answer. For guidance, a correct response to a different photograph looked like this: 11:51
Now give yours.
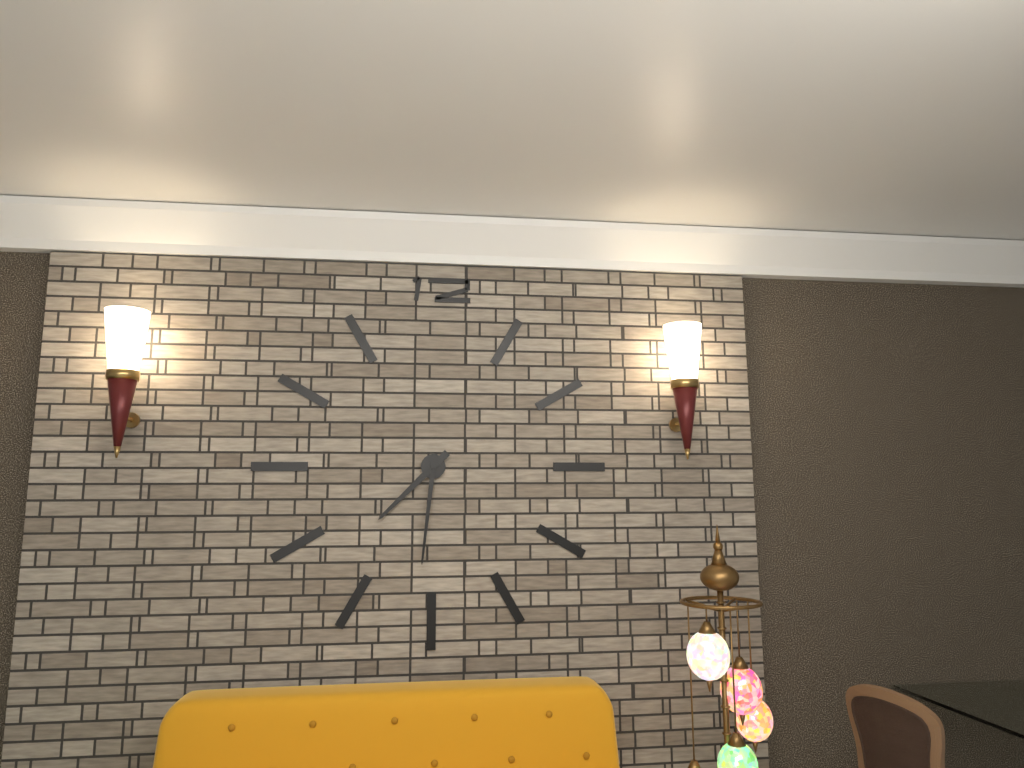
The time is 7:31
